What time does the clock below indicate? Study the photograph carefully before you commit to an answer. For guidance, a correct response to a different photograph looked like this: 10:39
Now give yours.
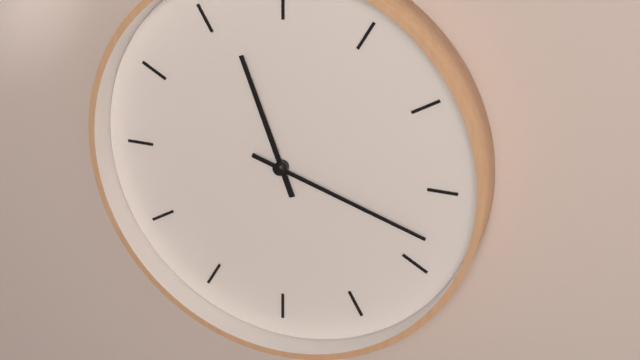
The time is 11:18
